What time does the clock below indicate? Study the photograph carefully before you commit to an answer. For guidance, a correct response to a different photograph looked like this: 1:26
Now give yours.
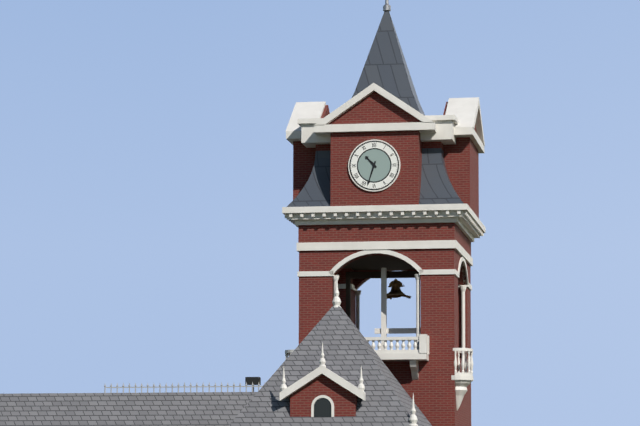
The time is 10:33
